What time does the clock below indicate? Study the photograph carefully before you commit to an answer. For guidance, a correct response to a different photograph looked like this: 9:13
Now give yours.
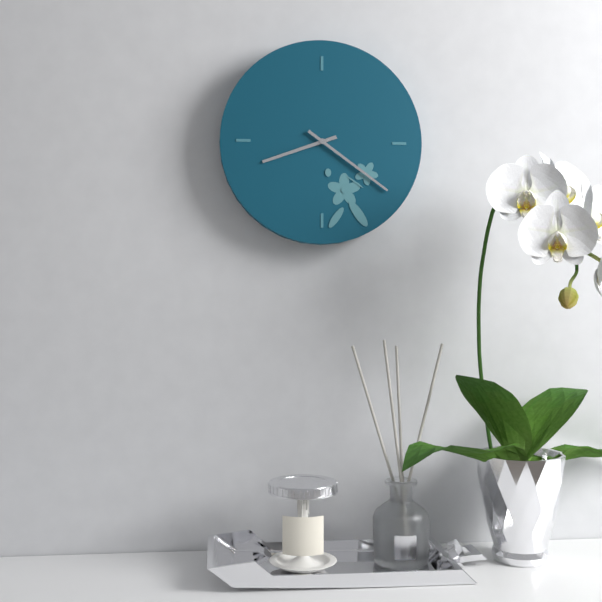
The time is 8:21
